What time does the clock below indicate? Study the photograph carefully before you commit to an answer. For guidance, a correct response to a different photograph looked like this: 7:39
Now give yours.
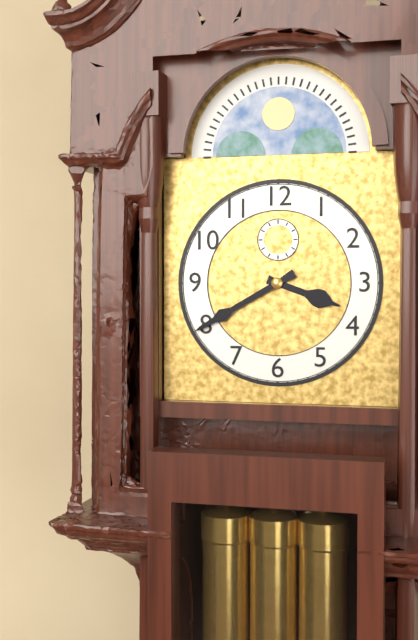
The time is 3:40
